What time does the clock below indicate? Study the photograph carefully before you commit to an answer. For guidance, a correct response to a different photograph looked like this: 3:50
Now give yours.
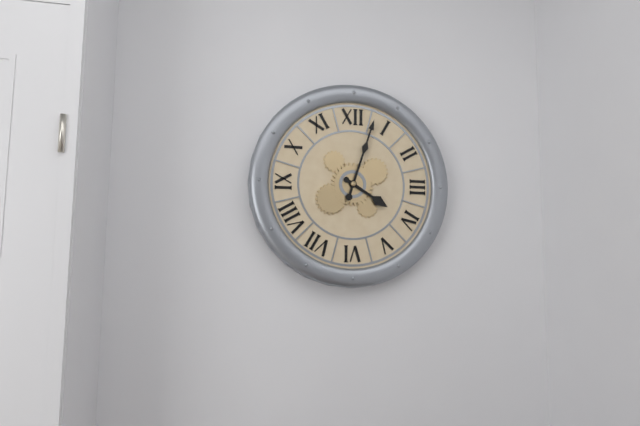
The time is 4:03
